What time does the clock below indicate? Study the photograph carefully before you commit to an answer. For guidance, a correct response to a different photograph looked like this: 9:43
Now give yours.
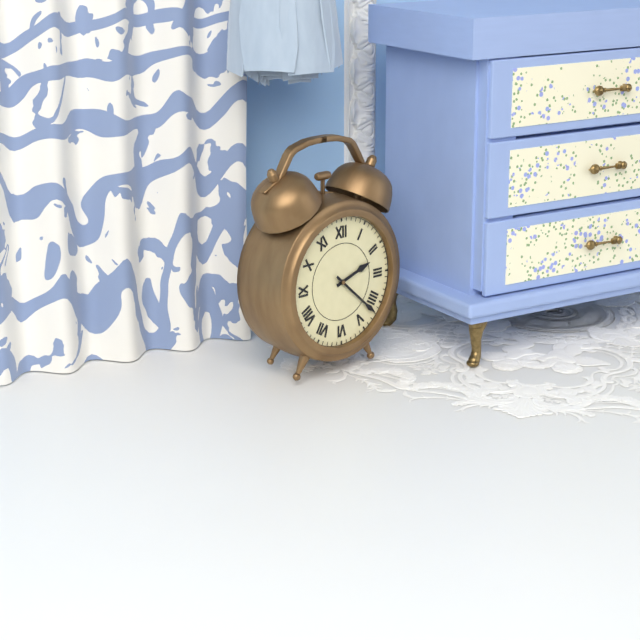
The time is 2:22
